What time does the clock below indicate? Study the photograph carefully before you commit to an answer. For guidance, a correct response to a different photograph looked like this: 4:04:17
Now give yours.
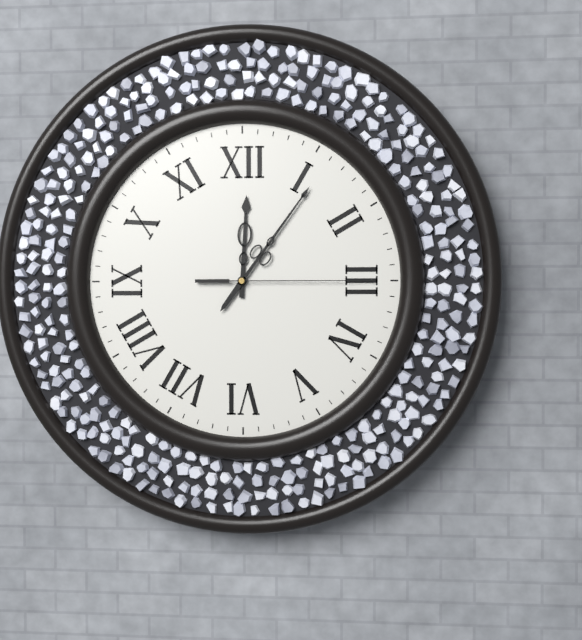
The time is 12:06:15
